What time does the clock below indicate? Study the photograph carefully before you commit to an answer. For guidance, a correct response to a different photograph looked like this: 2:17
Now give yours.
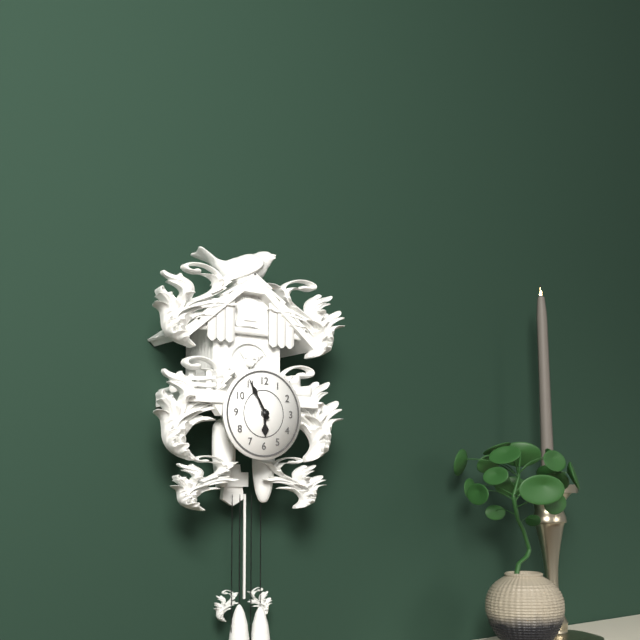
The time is 5:55
